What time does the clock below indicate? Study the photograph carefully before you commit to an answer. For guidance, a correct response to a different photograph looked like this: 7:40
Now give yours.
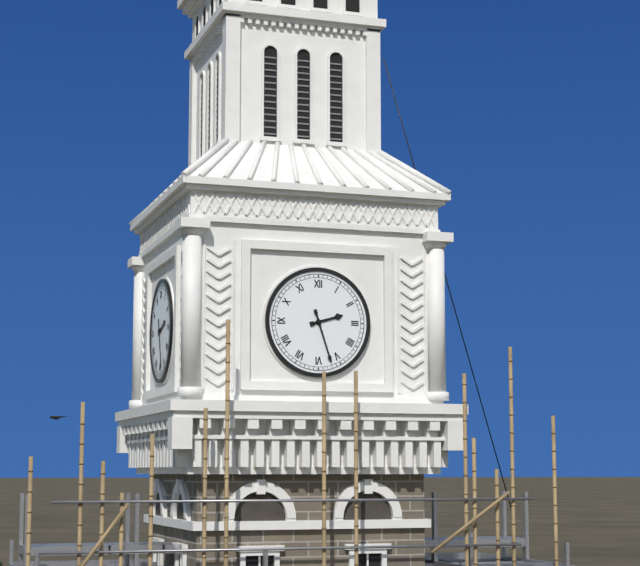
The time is 2:27
